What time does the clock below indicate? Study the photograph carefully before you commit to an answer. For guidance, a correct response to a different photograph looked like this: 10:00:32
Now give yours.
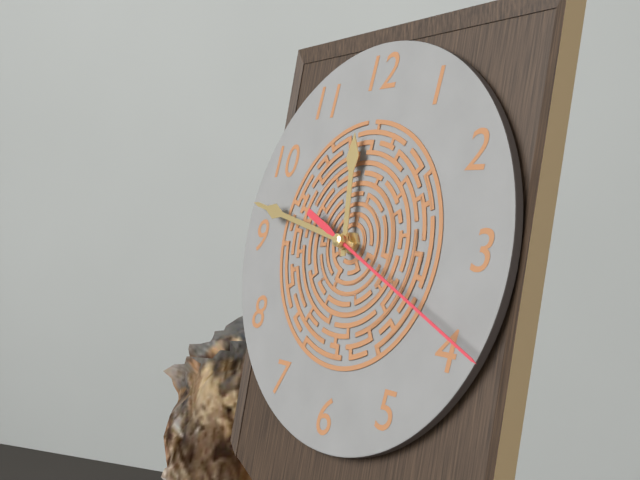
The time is 11:47:19
